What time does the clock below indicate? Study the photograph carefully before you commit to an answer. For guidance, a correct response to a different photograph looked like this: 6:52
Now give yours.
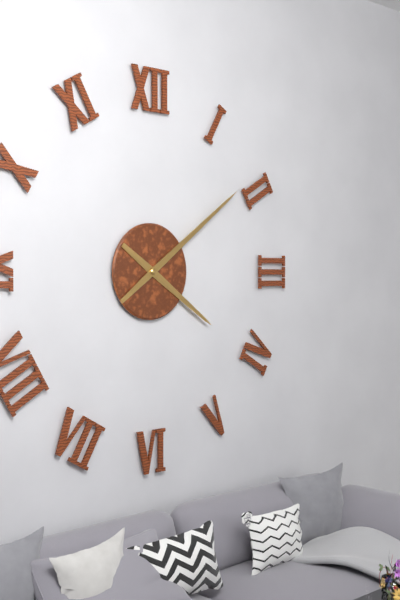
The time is 4:09
